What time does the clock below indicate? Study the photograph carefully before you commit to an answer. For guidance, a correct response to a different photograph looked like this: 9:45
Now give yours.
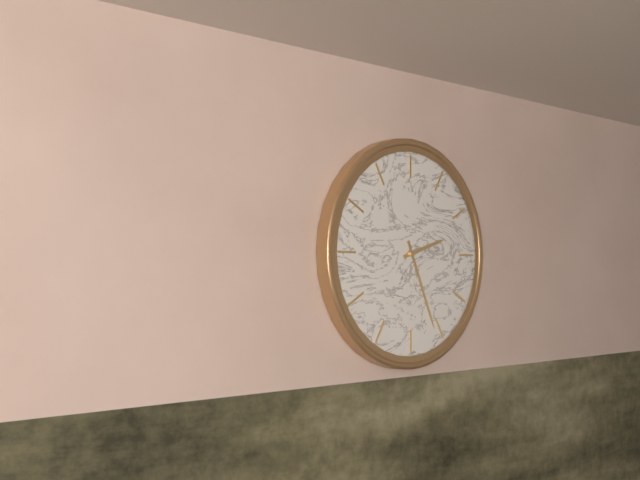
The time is 2:26
